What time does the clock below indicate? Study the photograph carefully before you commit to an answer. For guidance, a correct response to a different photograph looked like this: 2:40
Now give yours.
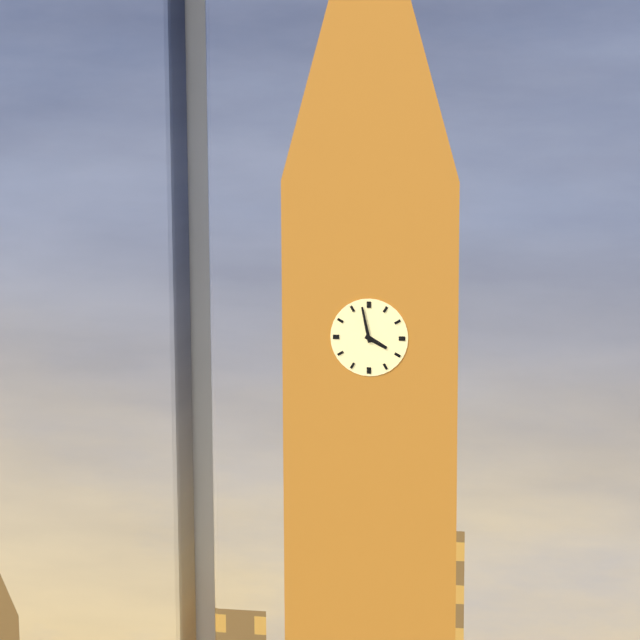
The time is 3:58
